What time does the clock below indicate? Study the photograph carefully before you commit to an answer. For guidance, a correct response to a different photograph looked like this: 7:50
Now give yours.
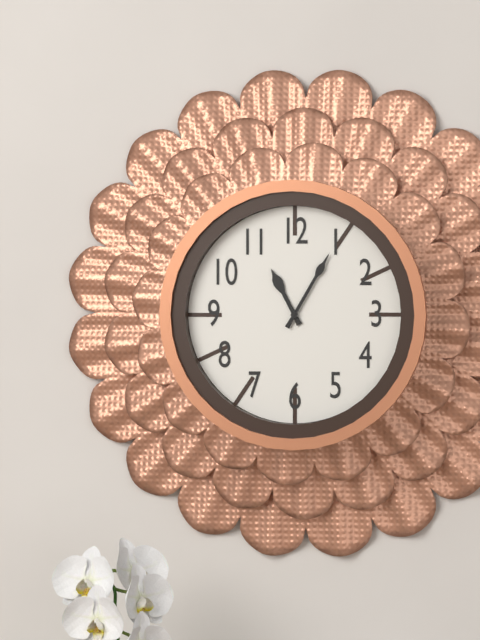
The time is 11:05
